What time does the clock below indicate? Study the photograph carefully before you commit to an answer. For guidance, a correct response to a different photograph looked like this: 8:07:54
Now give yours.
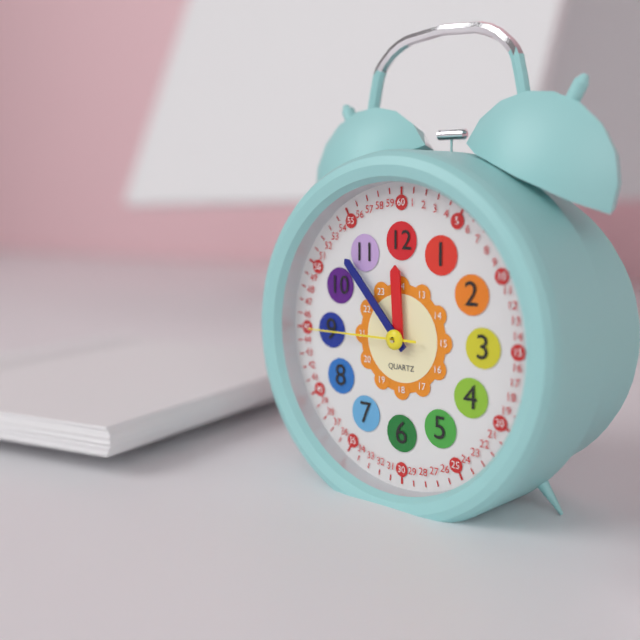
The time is 11:53:45
